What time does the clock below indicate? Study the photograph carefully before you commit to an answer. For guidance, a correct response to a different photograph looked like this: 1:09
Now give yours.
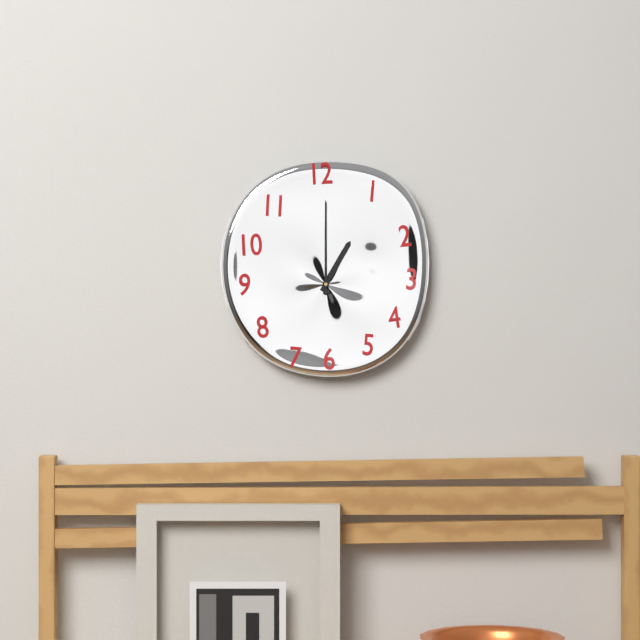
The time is 1:00
